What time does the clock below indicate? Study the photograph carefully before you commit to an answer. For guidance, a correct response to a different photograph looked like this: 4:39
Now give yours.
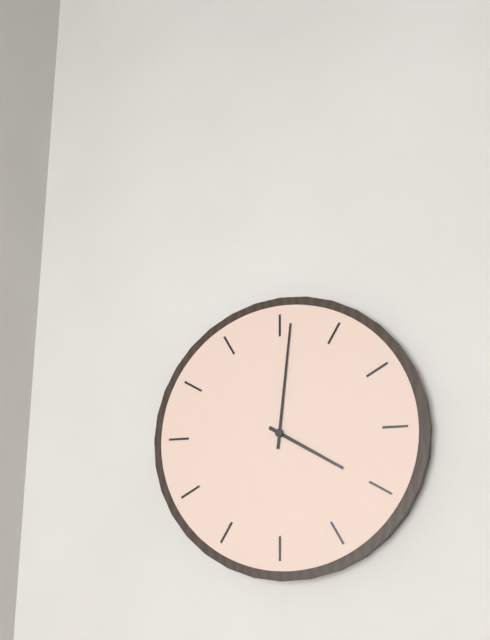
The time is 4:01
